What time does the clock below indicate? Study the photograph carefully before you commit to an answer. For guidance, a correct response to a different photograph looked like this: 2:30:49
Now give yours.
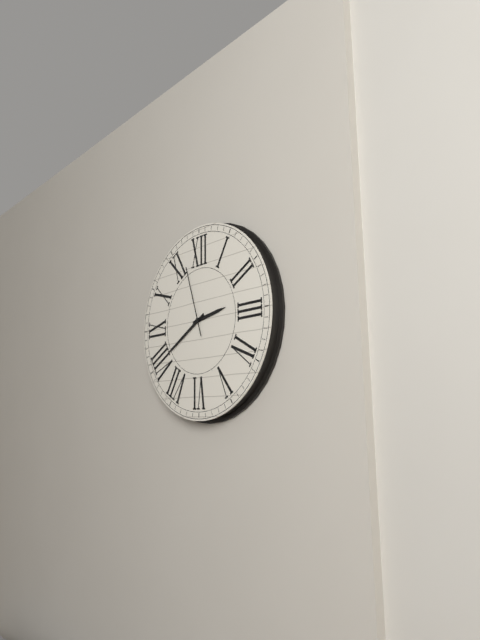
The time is 2:40:57
